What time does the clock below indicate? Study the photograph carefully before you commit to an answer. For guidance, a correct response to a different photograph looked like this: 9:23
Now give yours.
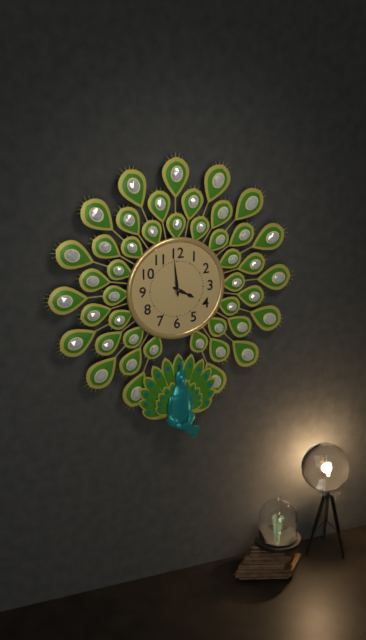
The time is 3:59
